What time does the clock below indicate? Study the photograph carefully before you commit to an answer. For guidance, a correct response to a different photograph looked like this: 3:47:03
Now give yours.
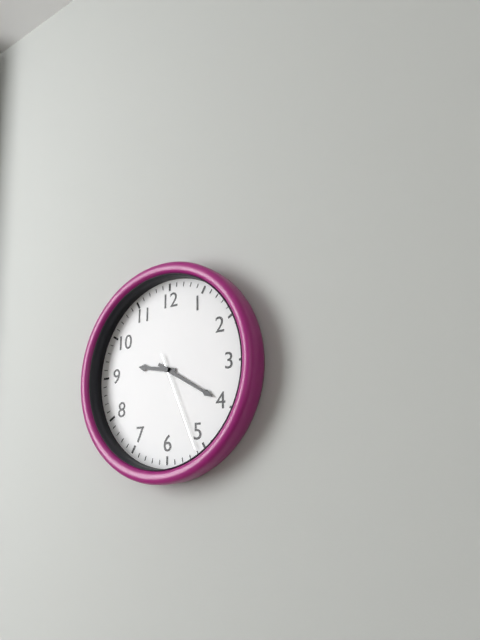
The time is 9:20:26
